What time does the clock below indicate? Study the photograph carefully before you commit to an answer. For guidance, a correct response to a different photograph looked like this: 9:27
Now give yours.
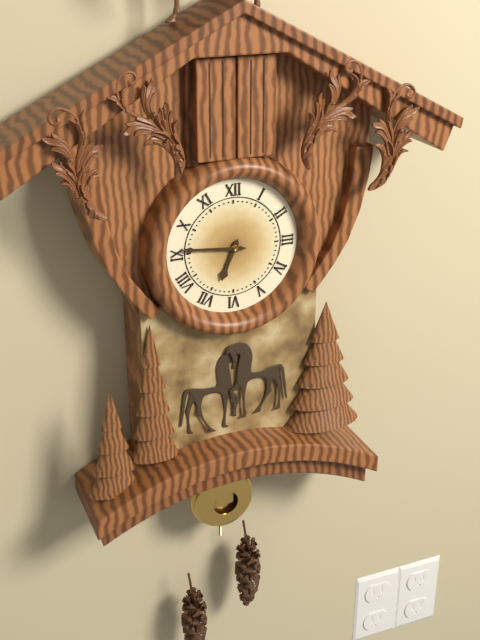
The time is 6:46
